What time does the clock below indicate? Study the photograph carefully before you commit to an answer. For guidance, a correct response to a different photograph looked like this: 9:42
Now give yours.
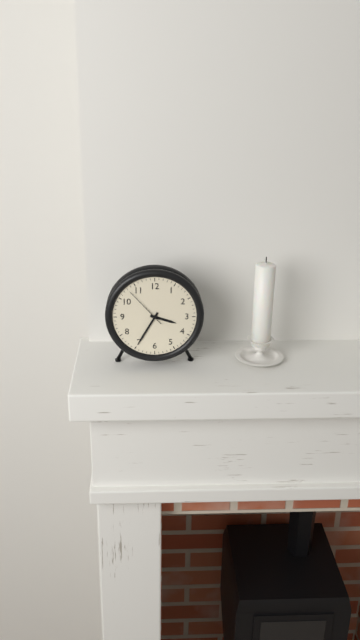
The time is 3:35
